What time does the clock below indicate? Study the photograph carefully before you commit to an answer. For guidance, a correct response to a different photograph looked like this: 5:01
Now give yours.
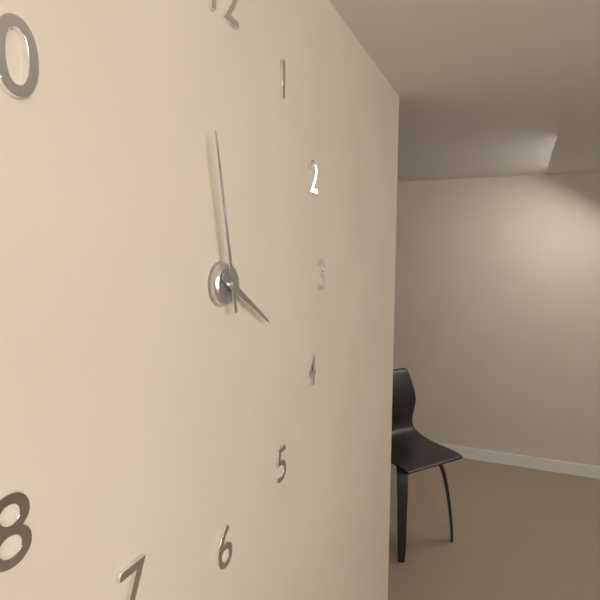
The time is 3:58
